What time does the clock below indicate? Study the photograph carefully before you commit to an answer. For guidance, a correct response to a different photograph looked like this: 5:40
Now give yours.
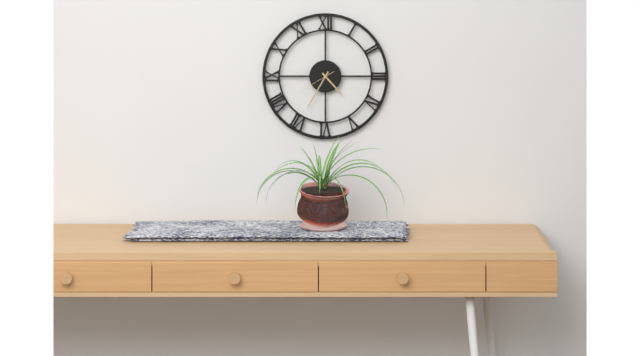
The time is 4:35
